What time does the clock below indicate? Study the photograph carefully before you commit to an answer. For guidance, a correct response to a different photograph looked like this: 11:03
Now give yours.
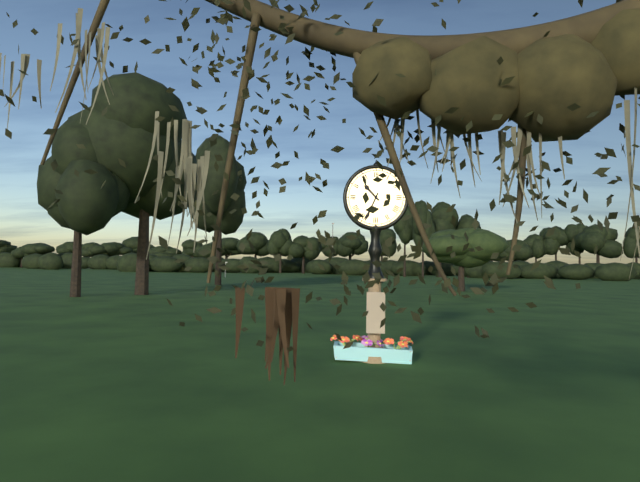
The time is 10:34
